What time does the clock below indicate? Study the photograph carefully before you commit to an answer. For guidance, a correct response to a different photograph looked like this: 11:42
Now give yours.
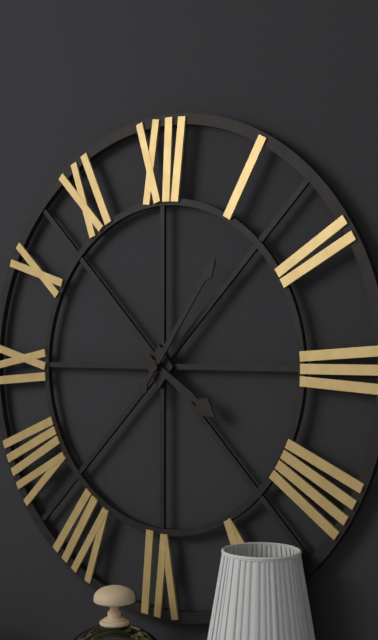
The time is 4:06
